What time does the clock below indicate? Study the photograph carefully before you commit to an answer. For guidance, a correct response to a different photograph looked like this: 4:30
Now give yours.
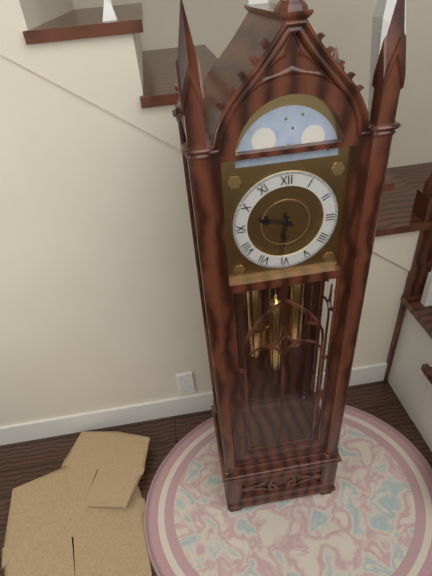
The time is 9:31
